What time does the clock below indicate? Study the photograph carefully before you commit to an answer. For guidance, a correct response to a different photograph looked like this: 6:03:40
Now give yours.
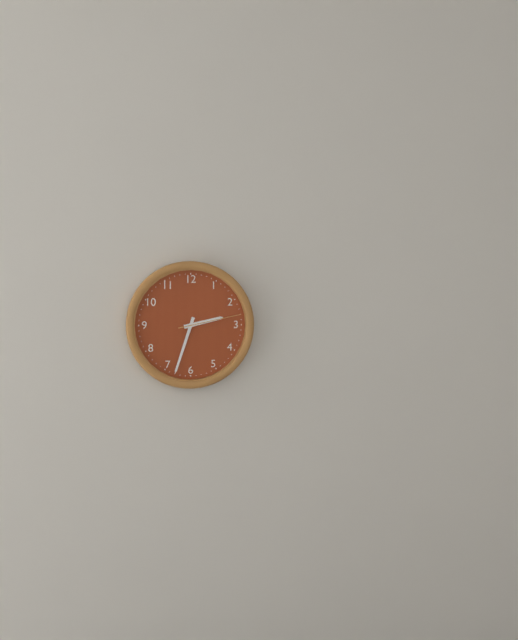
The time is 2:33:13
